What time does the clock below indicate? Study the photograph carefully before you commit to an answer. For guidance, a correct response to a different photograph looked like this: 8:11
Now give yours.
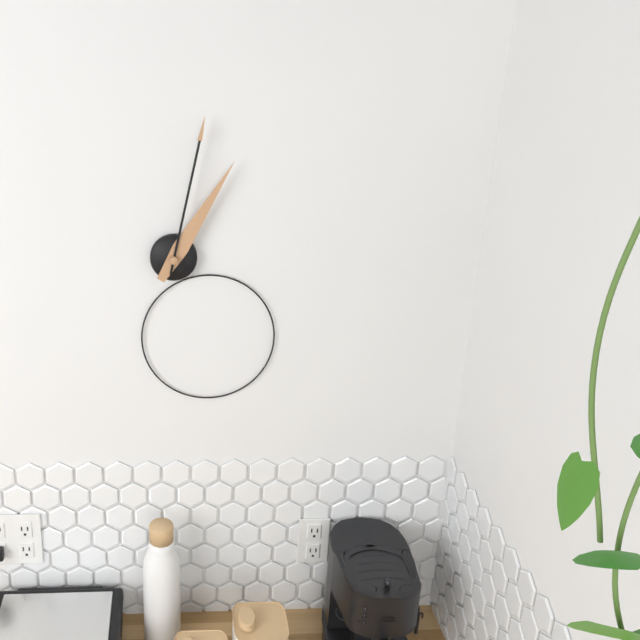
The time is 1:02
